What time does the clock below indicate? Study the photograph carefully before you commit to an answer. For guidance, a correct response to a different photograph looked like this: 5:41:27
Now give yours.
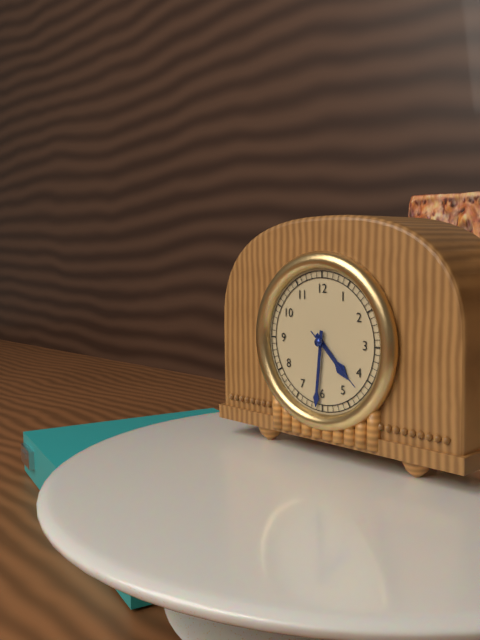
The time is 4:31:22
